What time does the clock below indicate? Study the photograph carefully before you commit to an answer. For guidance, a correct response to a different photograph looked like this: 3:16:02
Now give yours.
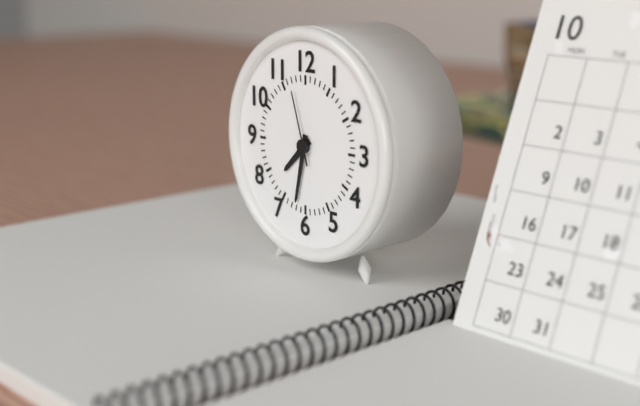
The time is 7:32:57
